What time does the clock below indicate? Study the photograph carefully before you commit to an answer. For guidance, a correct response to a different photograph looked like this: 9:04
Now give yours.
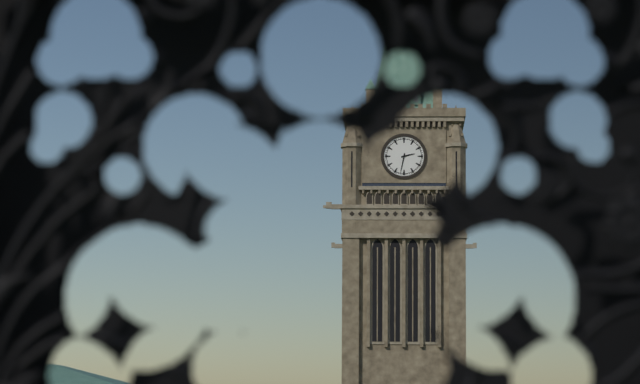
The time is 2:32
